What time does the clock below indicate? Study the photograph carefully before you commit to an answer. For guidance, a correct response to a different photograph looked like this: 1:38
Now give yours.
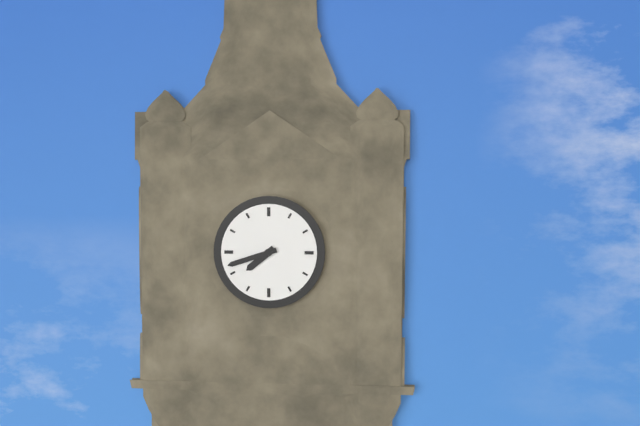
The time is 7:42
